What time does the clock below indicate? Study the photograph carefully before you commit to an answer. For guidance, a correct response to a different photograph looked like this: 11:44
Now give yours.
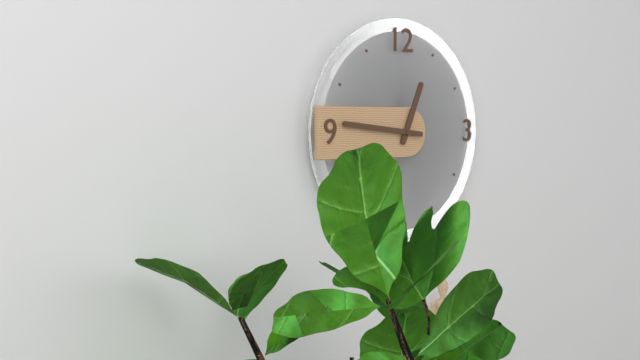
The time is 12:46
